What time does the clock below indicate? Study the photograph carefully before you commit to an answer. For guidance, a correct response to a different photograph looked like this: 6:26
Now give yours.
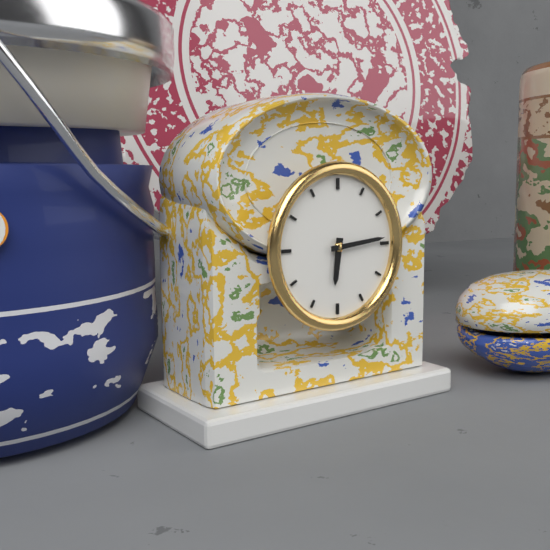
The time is 6:14
